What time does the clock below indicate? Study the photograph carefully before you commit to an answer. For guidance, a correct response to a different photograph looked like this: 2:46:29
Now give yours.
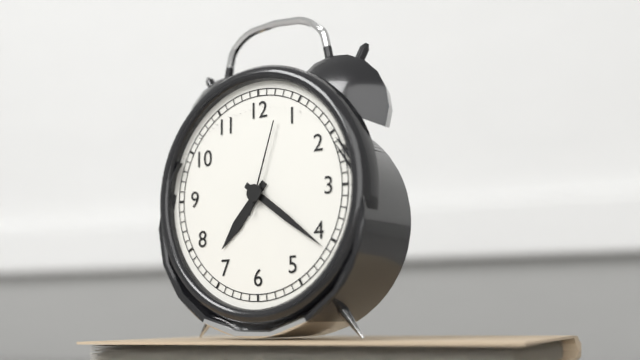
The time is 7:21:03
